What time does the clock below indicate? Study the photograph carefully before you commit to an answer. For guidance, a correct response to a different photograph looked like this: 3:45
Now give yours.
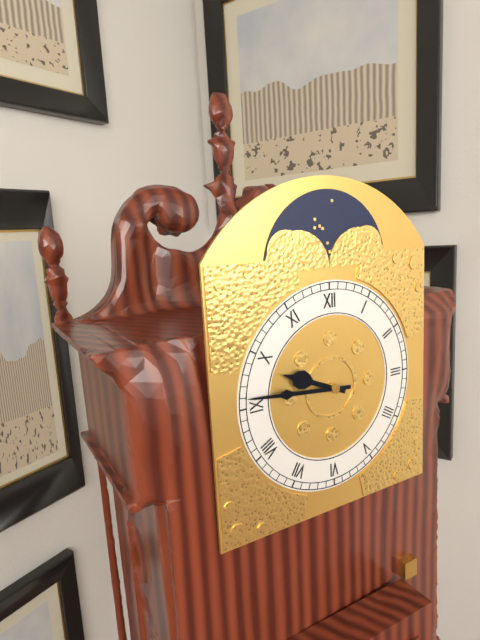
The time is 9:46
